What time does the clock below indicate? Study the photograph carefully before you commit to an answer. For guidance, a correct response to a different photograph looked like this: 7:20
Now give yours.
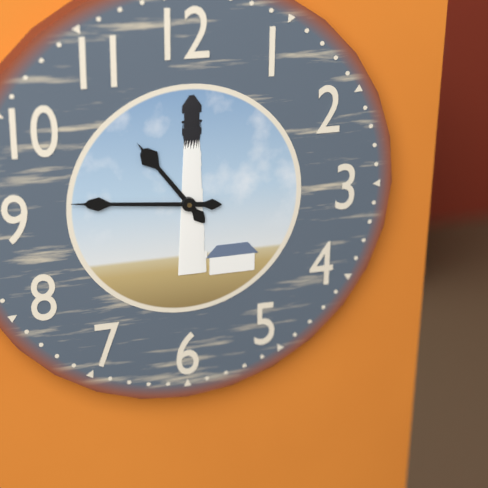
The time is 10:46
